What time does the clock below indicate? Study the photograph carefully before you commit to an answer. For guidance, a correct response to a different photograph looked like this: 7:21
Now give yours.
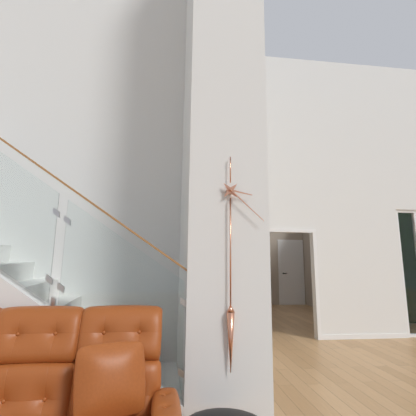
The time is 3:22
